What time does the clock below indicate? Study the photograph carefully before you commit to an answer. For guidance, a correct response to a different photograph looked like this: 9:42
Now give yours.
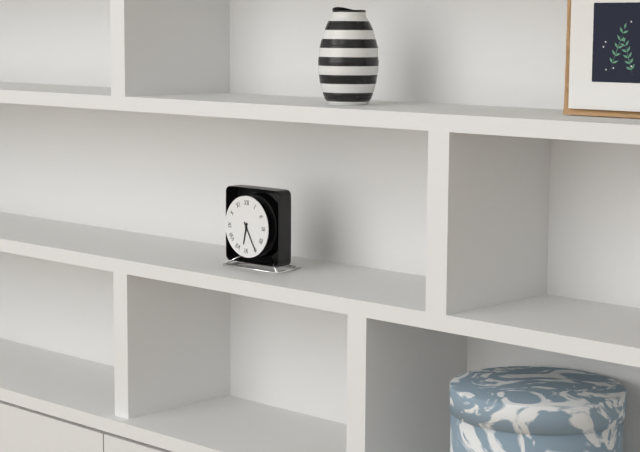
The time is 6:25
